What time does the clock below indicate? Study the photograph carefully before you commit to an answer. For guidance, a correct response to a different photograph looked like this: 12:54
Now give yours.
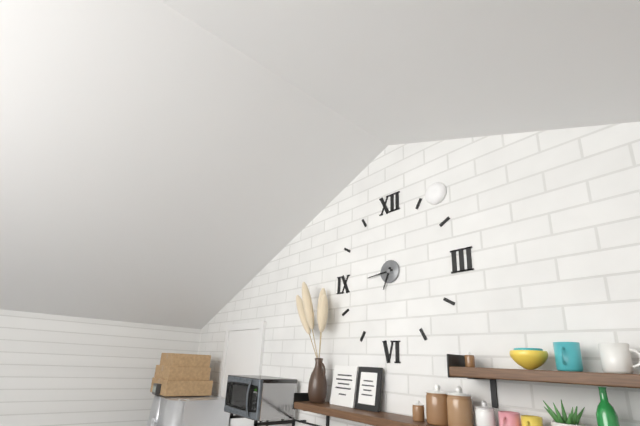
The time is 6:44
